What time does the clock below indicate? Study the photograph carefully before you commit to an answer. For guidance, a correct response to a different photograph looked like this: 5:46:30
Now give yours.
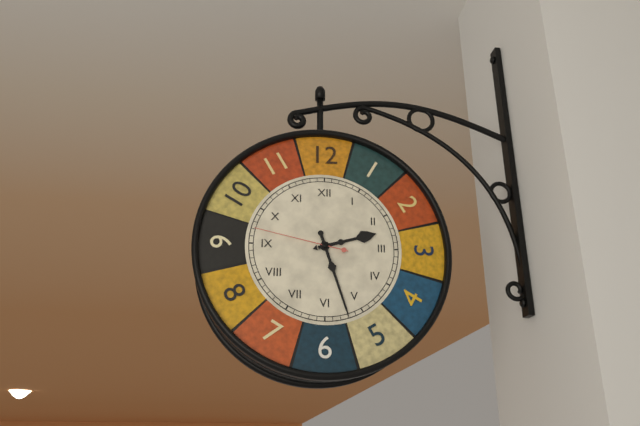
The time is 2:27:47
